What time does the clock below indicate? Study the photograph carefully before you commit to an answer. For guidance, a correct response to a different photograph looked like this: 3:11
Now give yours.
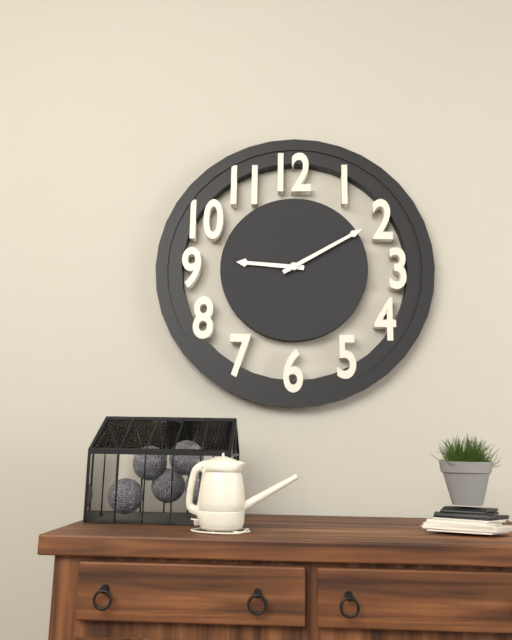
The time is 9:10
